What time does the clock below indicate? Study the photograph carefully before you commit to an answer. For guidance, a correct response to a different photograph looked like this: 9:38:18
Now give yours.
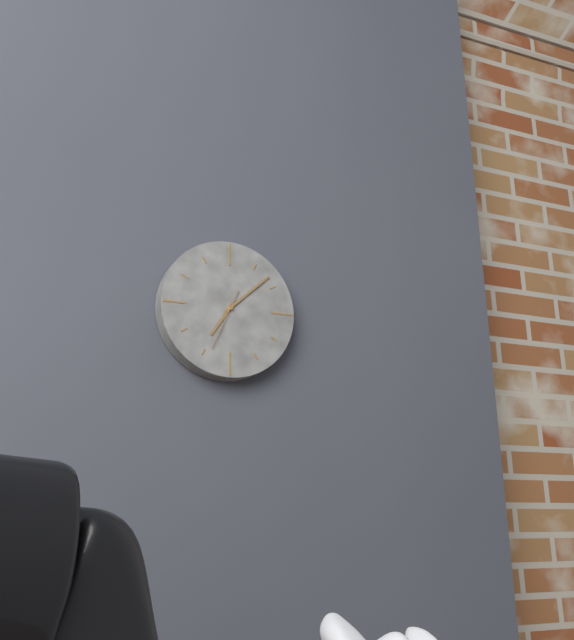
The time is 7:08:34
